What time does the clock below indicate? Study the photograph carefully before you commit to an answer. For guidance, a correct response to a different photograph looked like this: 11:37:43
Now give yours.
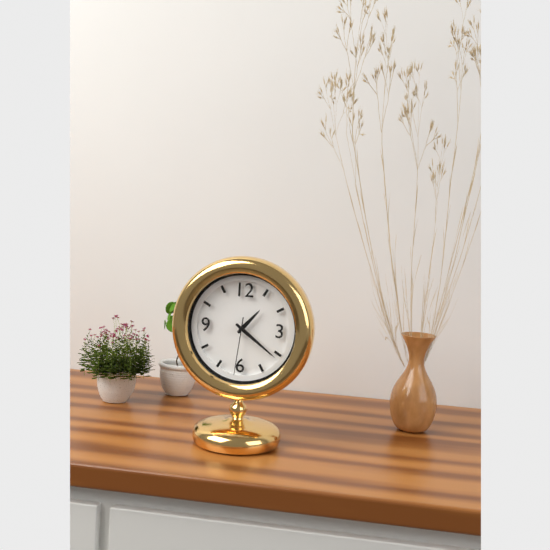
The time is 1:21:31
